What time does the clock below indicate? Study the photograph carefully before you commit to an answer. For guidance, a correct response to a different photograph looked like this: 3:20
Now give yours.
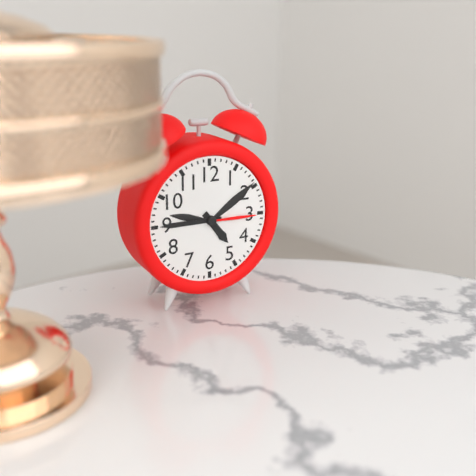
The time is 4:45
